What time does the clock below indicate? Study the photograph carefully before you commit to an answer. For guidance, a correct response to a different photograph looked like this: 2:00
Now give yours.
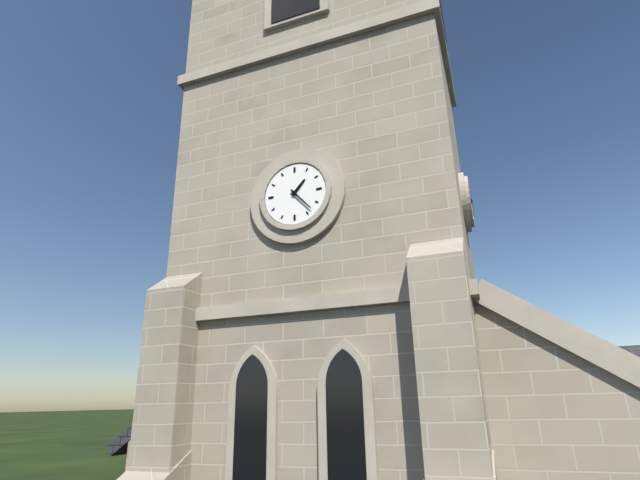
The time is 1:23
